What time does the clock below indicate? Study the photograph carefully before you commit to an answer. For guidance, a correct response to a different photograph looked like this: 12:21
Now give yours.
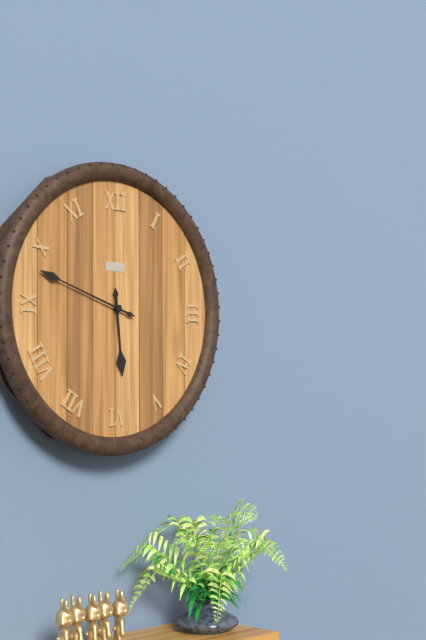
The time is 5:48
